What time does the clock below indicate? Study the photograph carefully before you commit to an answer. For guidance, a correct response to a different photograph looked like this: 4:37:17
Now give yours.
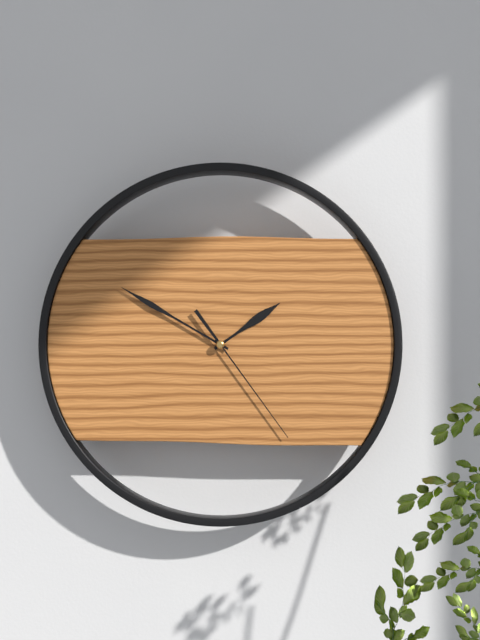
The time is 1:50:24
